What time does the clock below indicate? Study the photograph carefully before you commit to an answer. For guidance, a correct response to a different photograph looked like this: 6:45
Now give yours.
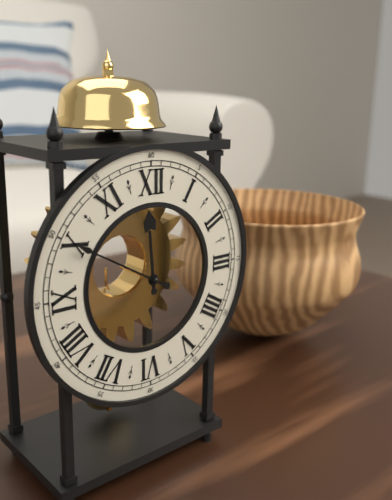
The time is 11:50
